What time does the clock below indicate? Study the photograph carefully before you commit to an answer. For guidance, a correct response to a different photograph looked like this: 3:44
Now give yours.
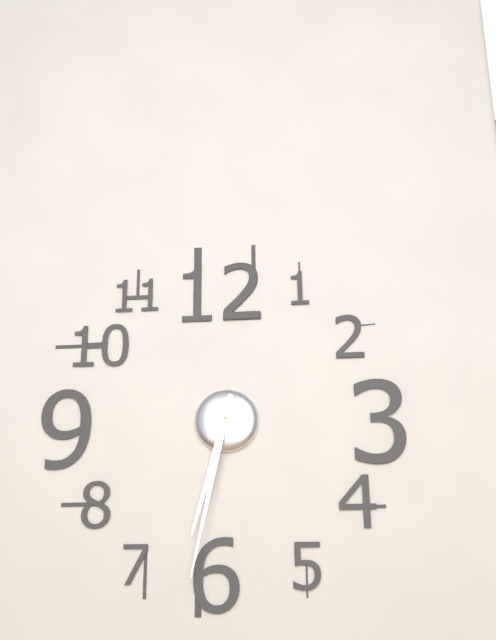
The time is 6:32
